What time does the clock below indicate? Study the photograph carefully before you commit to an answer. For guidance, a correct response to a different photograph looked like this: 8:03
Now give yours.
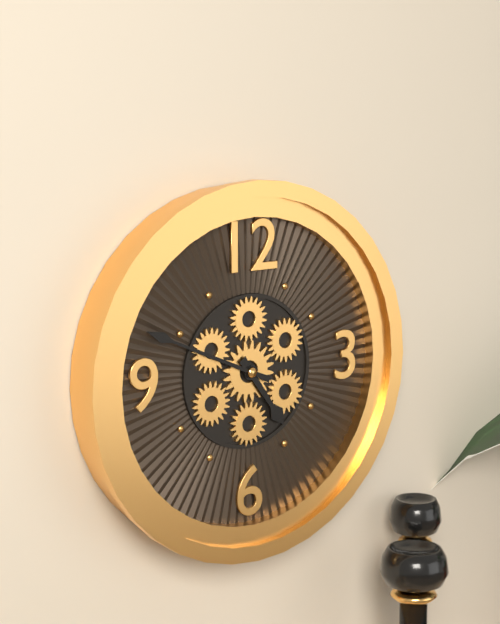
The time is 4:49
